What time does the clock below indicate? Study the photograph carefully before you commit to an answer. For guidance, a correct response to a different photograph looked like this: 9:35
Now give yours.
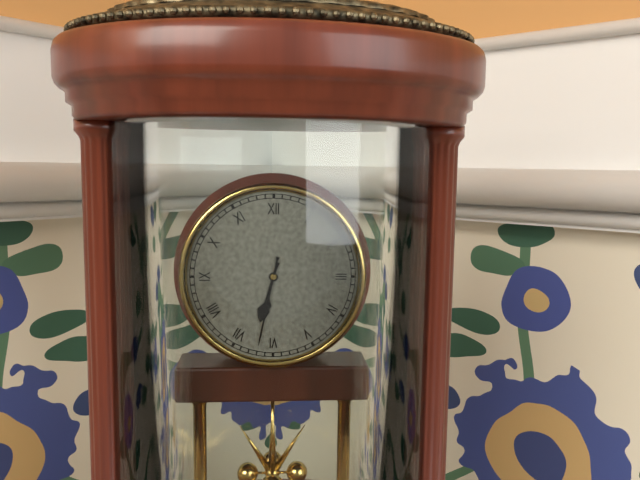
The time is 6:32
